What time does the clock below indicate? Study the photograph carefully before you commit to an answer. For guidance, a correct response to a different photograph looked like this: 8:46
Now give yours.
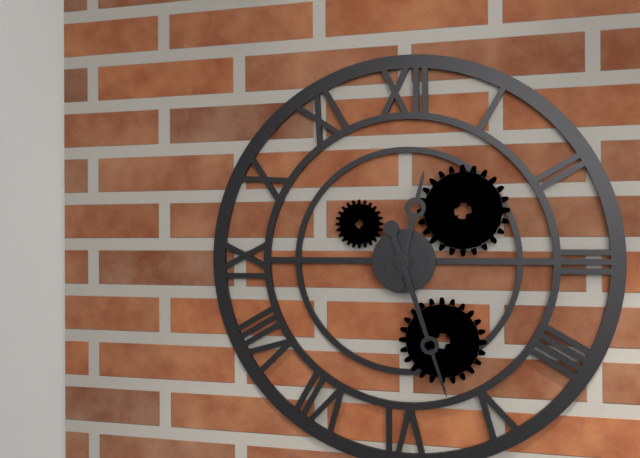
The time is 12:27
